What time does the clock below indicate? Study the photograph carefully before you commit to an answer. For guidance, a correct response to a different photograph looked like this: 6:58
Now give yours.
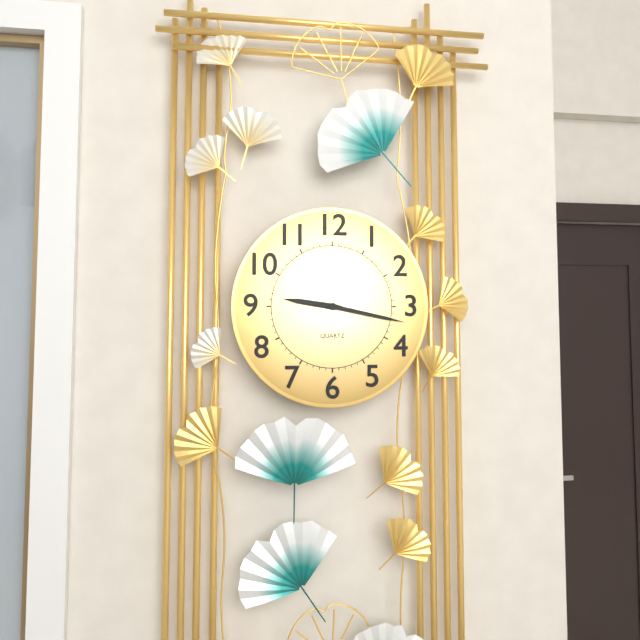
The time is 9:17
